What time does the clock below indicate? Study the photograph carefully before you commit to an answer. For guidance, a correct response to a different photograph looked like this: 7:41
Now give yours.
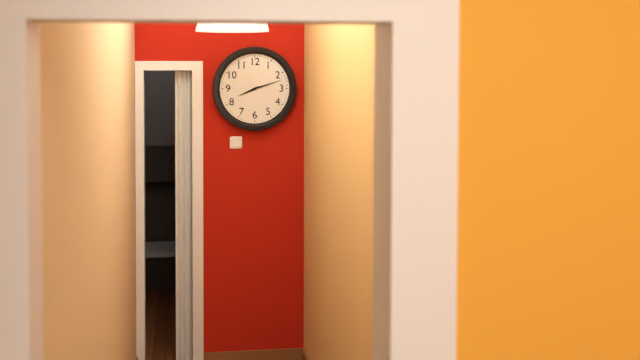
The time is 8:12
